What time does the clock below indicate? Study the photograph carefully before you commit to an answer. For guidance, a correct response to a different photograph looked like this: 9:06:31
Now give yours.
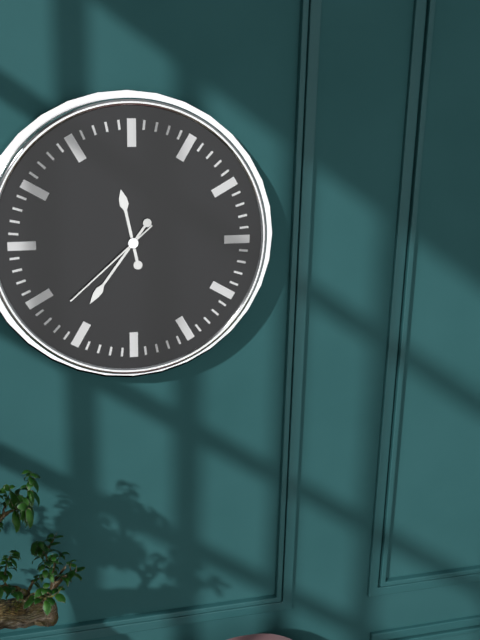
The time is 11:36:38
